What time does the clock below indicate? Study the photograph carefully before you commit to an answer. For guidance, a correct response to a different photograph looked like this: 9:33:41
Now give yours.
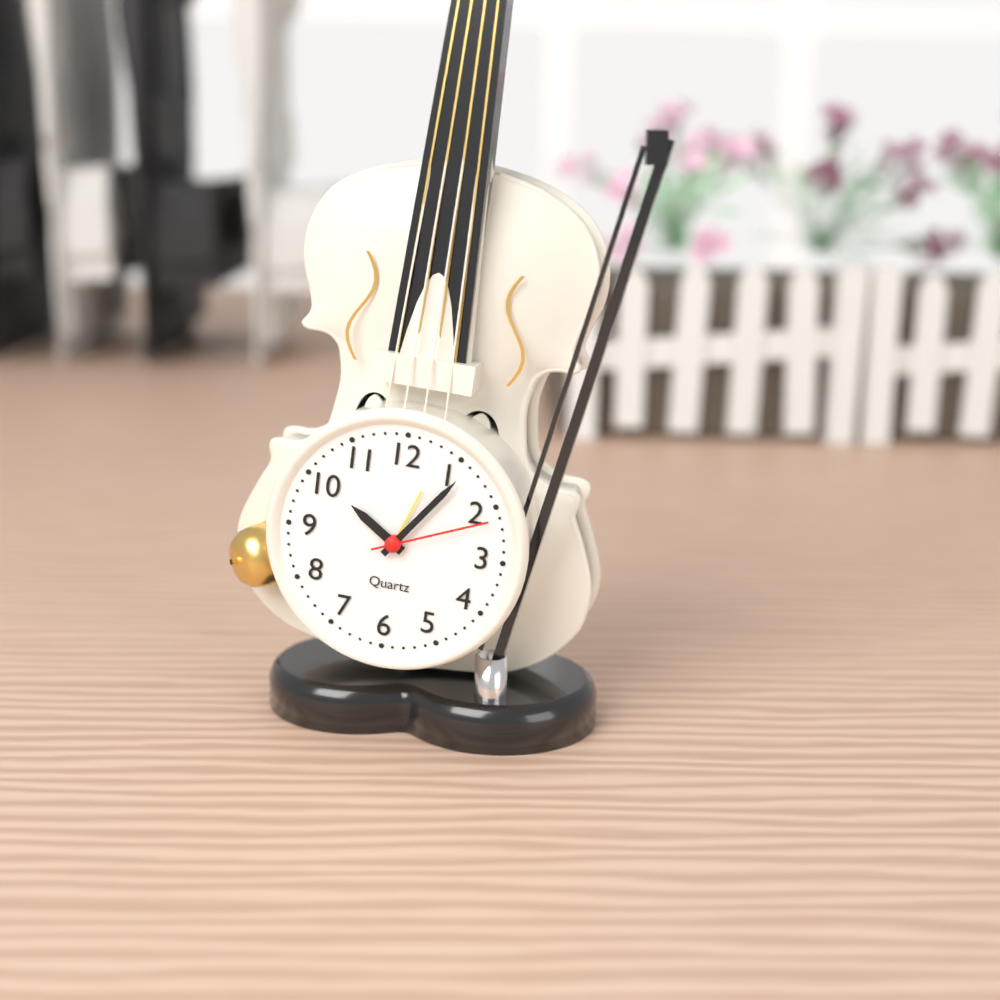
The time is 10:06:11
